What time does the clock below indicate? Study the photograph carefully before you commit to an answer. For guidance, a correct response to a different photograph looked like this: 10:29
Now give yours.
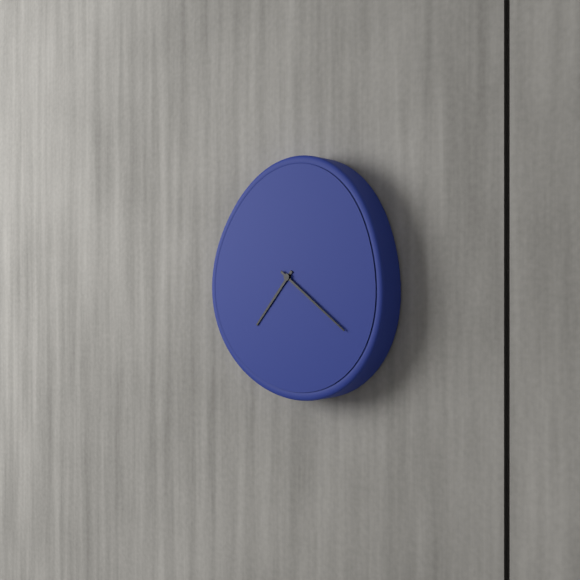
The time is 7:21
